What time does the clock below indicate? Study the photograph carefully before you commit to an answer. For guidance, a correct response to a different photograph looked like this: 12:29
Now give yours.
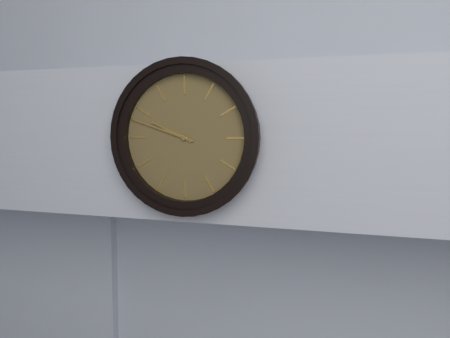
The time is 9:48
